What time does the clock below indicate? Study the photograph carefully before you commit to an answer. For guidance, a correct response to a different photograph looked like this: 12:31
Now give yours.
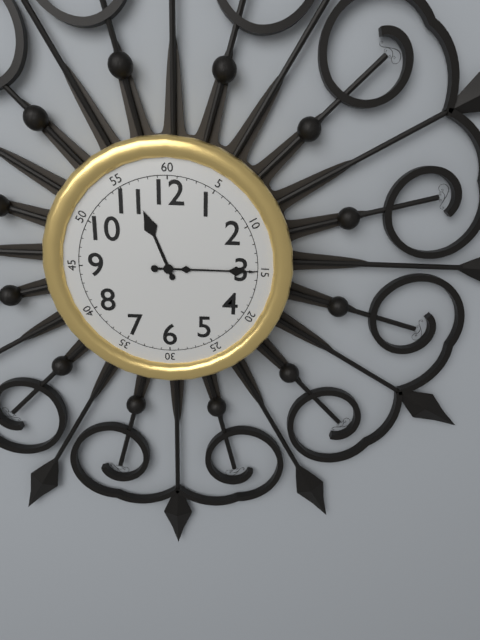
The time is 11:15
